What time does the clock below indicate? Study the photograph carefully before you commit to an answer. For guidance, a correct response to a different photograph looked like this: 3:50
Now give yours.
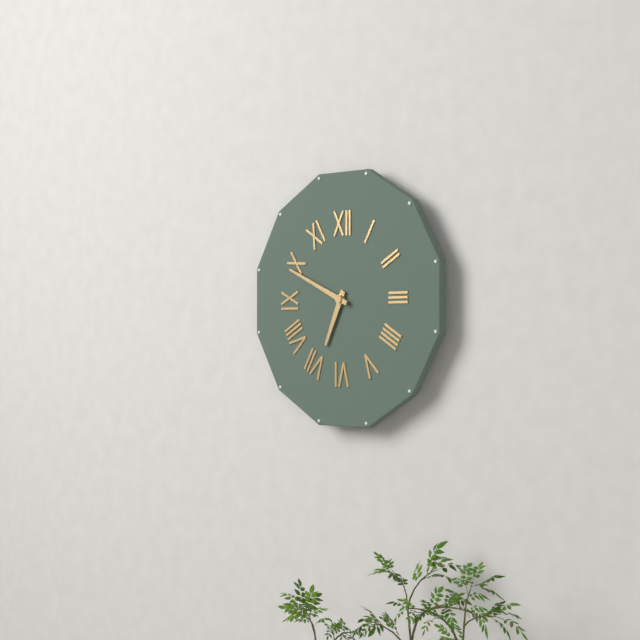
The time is 6:49
